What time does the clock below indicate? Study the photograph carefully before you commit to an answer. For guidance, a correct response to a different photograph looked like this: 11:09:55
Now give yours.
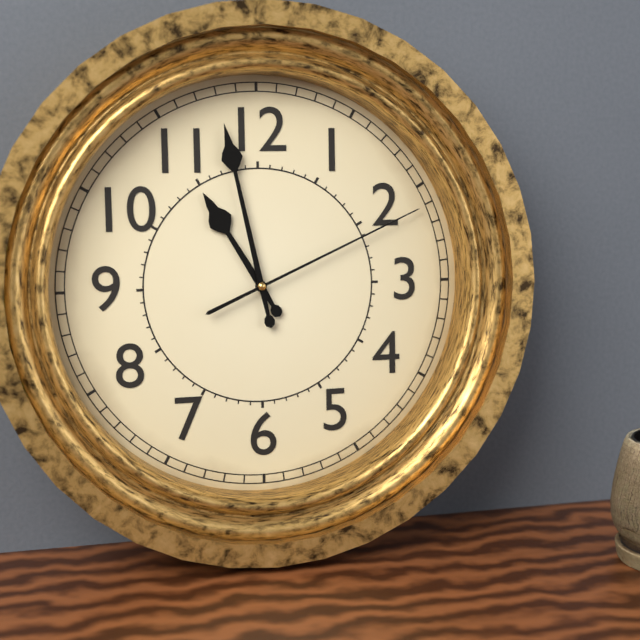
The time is 10:58:11
